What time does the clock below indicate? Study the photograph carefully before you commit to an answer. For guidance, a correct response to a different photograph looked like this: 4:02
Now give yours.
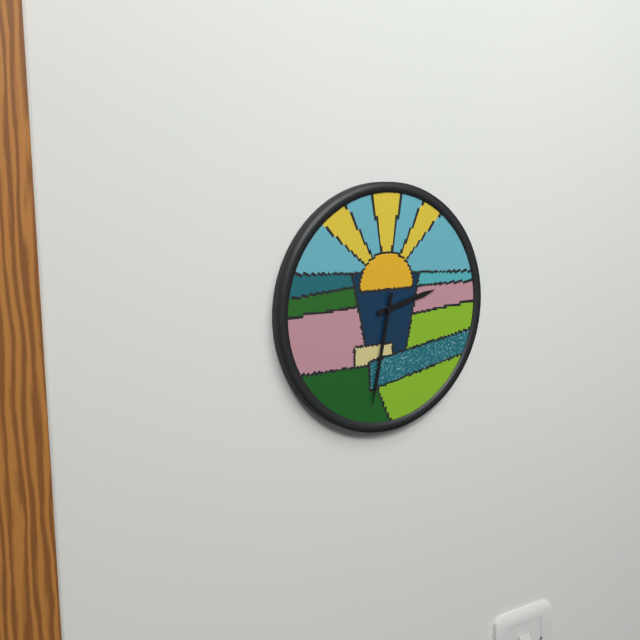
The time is 2:32
